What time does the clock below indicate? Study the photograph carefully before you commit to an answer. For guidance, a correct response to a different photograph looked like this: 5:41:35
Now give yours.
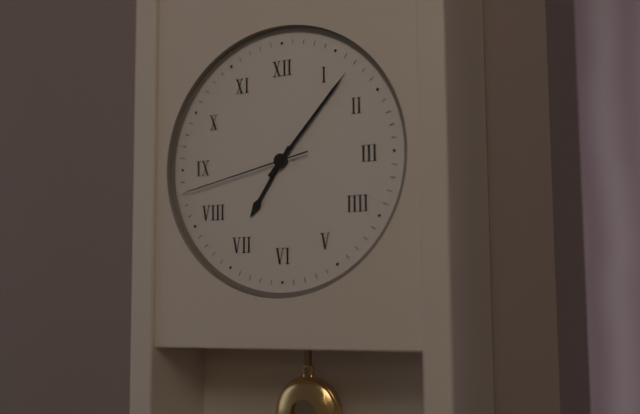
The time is 7:07:43
